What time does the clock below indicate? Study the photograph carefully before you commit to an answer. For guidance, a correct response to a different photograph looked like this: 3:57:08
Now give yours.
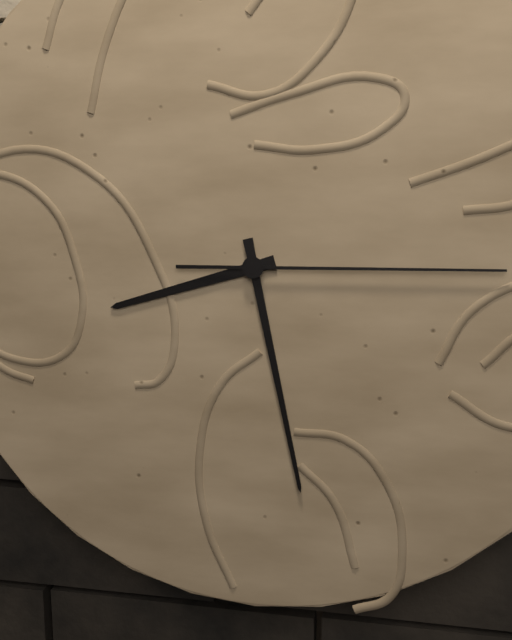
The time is 8:28:15
